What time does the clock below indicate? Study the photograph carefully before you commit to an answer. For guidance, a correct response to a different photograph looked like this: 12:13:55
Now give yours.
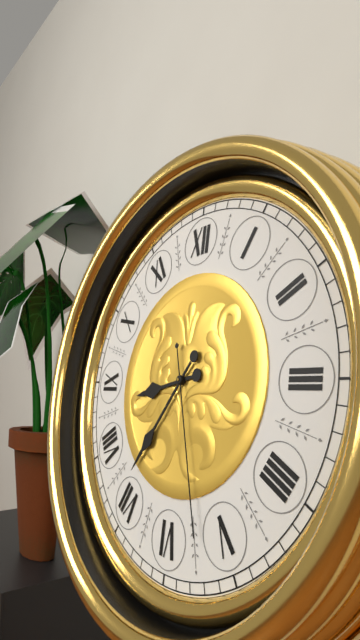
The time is 8:36:27
